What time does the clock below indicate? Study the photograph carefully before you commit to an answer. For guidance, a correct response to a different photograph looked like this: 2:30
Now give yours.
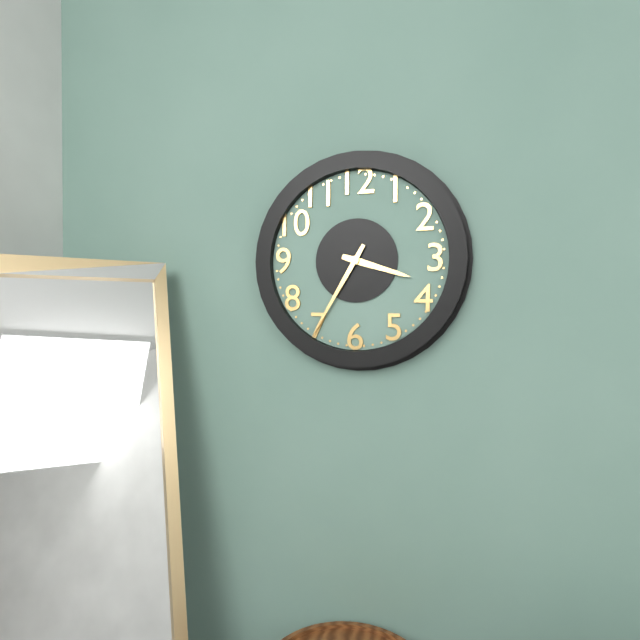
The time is 3:35
